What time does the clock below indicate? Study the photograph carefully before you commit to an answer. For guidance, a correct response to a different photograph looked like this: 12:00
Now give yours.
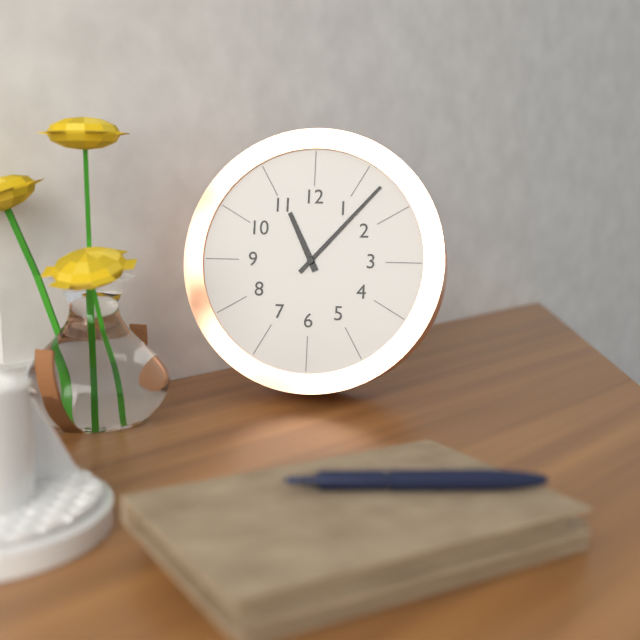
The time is 11:07
